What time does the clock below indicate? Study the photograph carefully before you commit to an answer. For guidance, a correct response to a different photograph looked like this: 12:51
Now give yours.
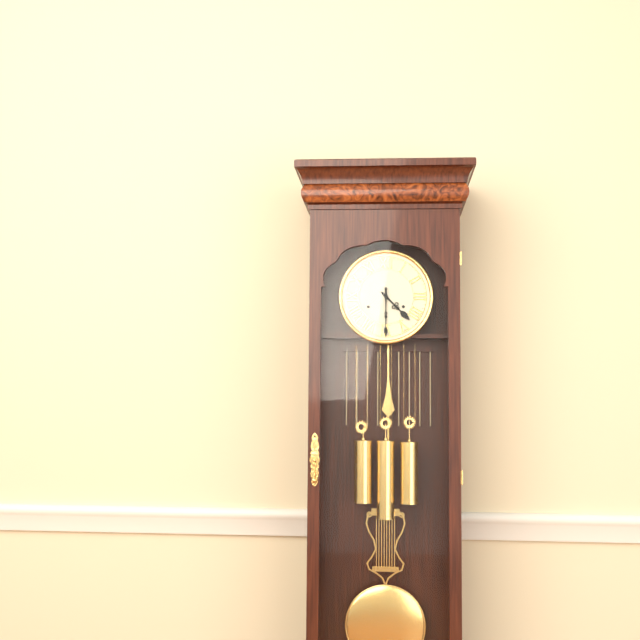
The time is 4:30
